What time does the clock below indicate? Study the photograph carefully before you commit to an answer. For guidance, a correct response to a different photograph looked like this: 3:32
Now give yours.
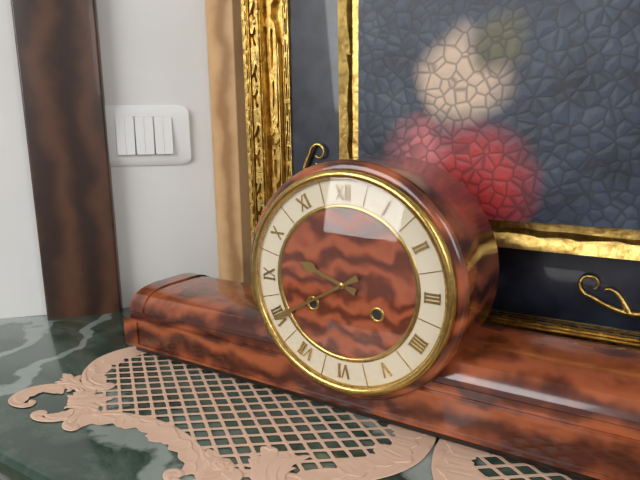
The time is 9:40
